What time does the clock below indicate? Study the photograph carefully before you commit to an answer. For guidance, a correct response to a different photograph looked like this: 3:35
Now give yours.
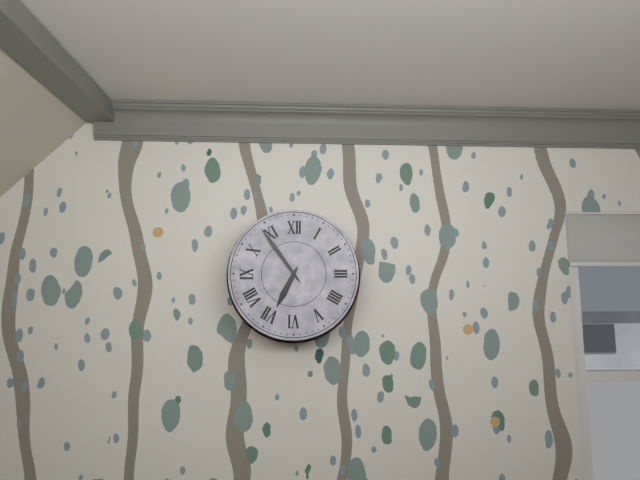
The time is 6:54
